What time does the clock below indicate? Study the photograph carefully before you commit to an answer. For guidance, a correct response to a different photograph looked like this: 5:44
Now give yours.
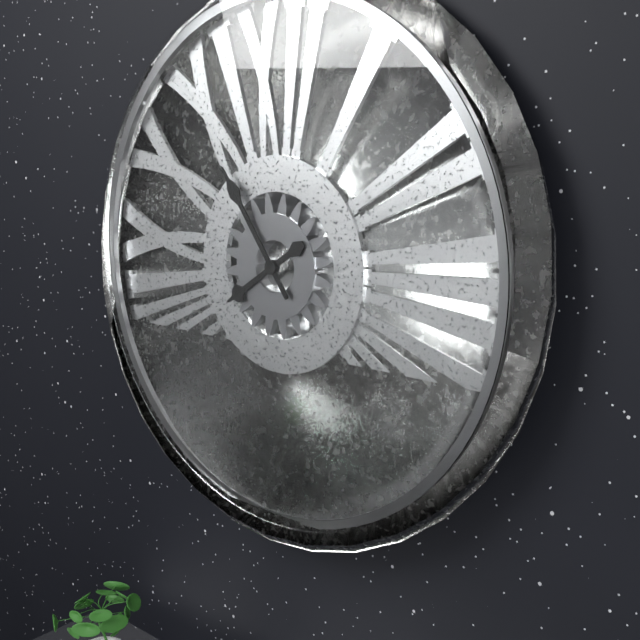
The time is 7:54
